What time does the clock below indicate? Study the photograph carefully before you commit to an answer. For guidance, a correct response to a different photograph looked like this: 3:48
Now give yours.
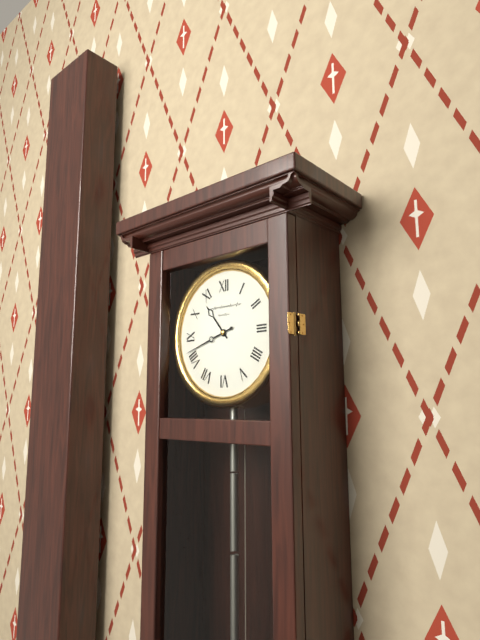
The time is 10:42
